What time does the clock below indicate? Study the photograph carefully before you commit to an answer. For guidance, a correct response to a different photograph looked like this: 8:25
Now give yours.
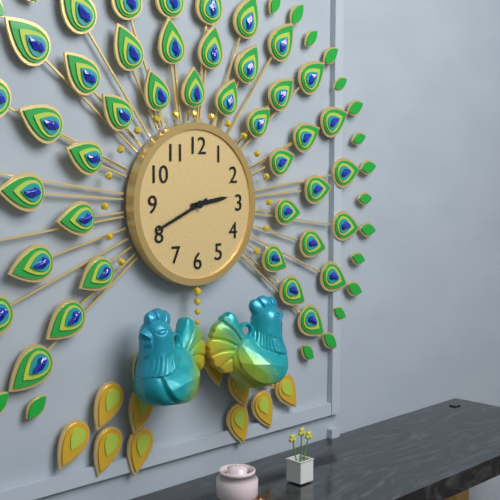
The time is 2:41
